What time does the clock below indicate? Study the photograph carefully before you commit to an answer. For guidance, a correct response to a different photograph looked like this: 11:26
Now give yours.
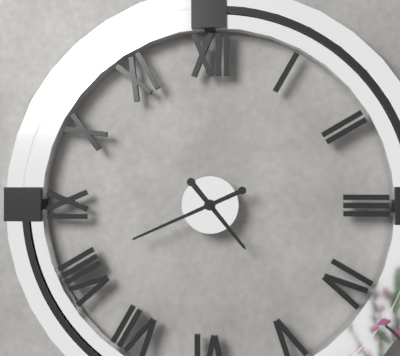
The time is 4:41
